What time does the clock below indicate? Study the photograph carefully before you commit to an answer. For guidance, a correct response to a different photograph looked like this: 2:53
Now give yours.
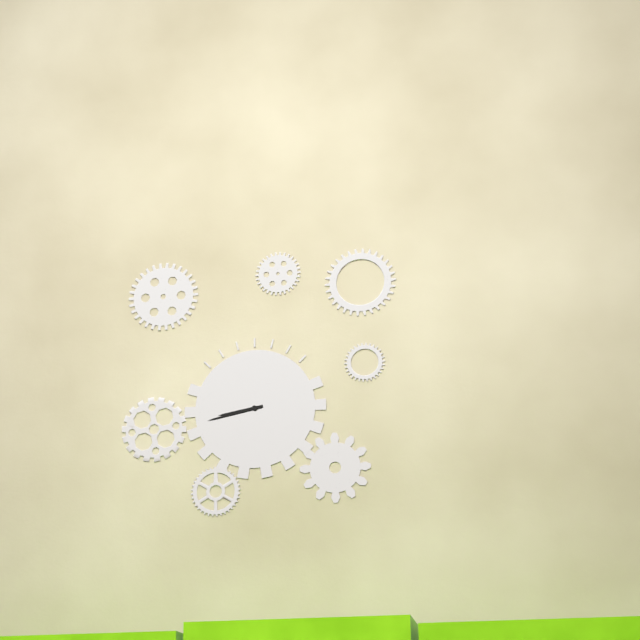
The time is 8:43
